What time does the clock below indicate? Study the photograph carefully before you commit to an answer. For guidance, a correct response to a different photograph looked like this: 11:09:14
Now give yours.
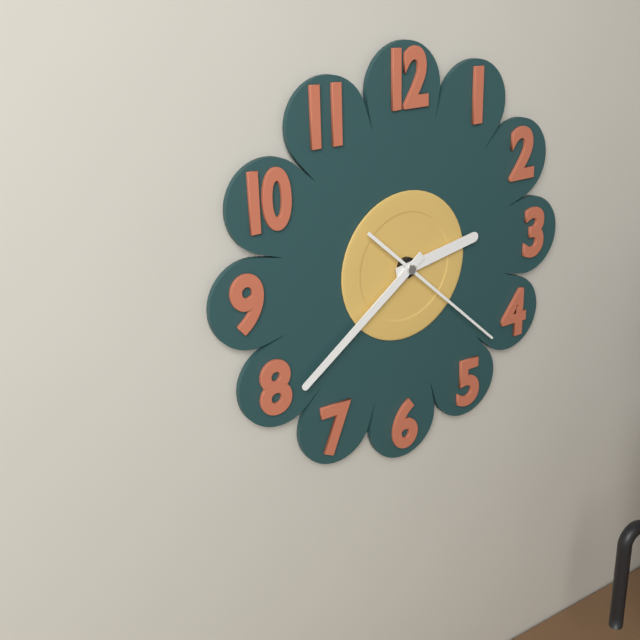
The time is 2:39:22
